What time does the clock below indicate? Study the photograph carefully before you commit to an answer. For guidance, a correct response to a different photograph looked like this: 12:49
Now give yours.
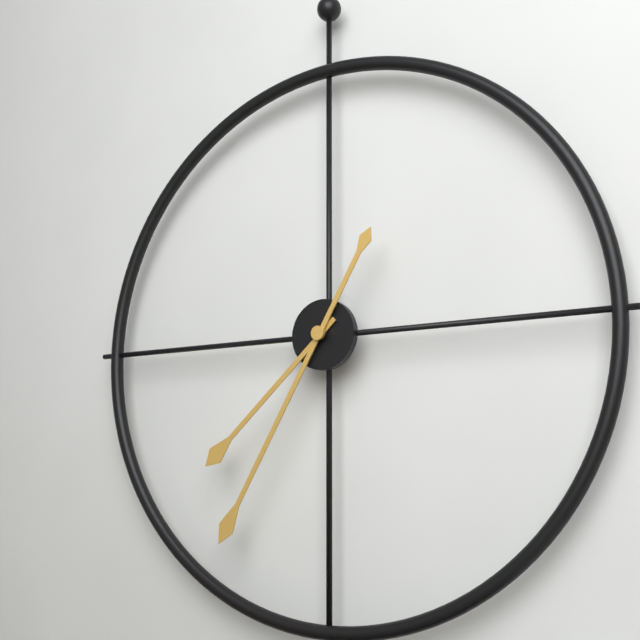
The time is 7:35
